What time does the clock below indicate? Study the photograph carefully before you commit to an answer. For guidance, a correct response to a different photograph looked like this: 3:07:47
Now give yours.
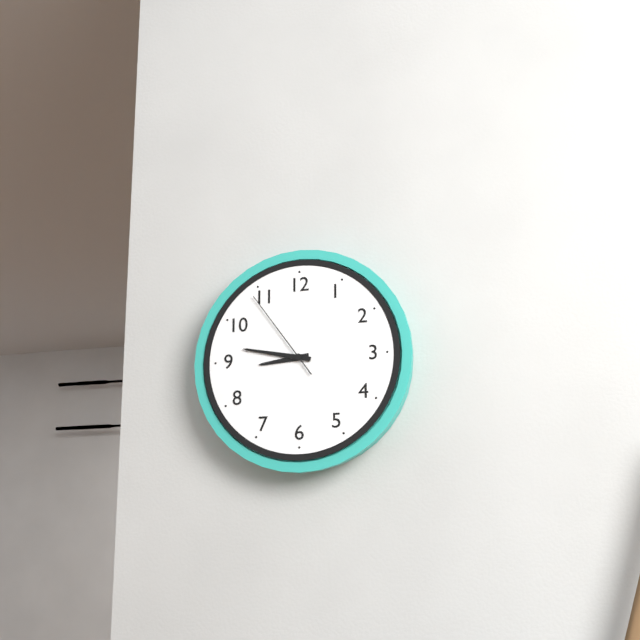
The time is 8:47:54
